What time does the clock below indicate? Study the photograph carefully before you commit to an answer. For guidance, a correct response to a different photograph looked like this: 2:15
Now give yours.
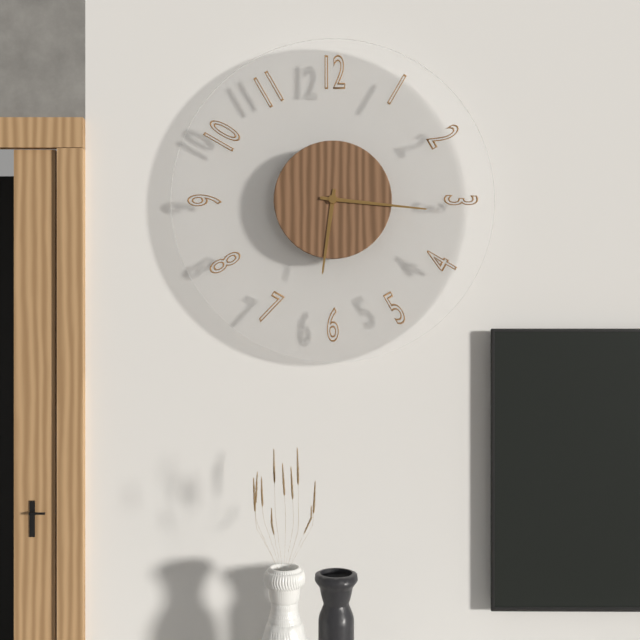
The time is 6:16
